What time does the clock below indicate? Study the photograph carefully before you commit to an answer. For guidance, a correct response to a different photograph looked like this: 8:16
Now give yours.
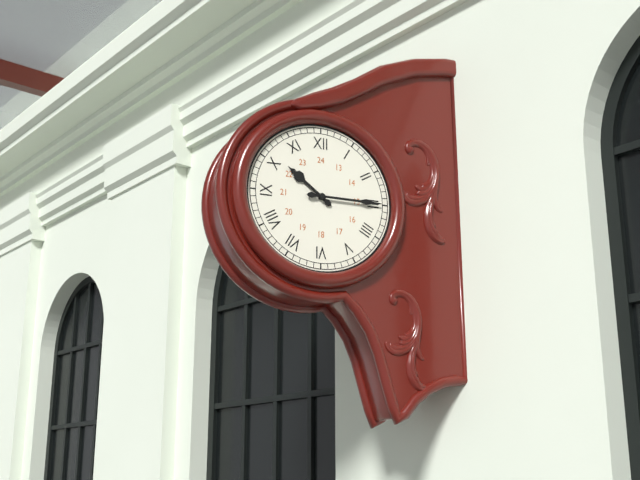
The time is 10:15
